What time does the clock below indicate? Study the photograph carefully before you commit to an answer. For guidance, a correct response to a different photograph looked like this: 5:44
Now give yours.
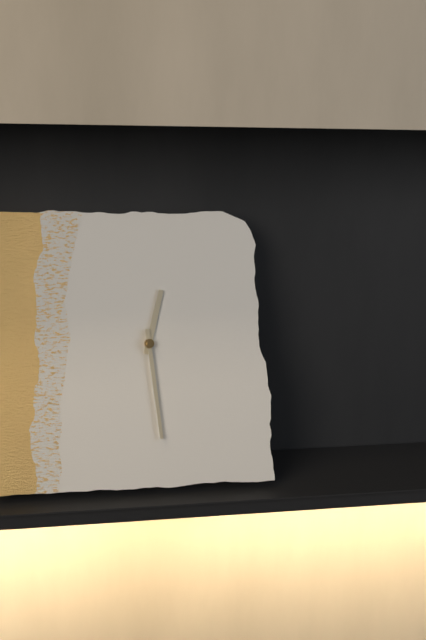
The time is 12:29
